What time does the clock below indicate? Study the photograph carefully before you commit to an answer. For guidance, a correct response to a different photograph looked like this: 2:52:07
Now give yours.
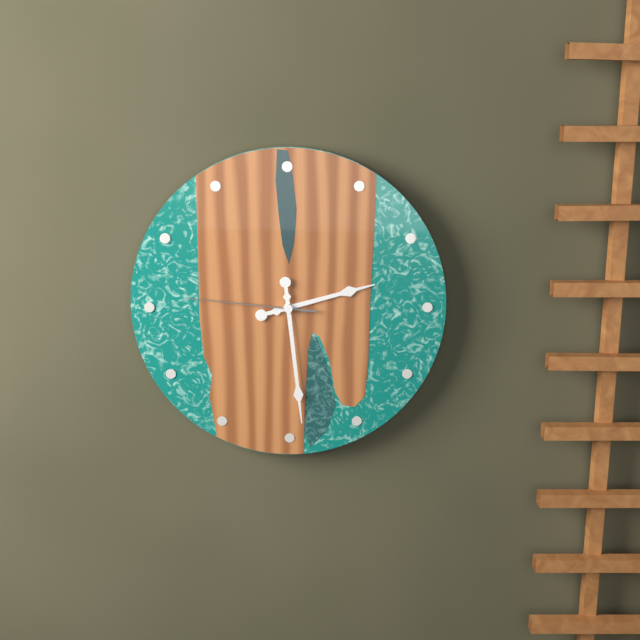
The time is 2:29:46
